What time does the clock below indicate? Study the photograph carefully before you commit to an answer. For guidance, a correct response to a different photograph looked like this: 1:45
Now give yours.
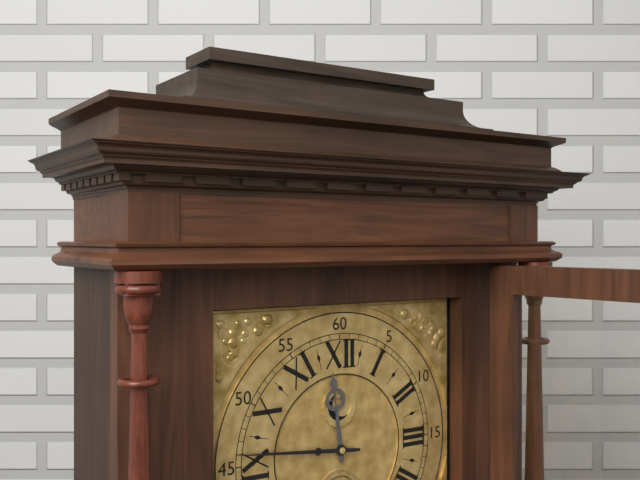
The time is 11:46
